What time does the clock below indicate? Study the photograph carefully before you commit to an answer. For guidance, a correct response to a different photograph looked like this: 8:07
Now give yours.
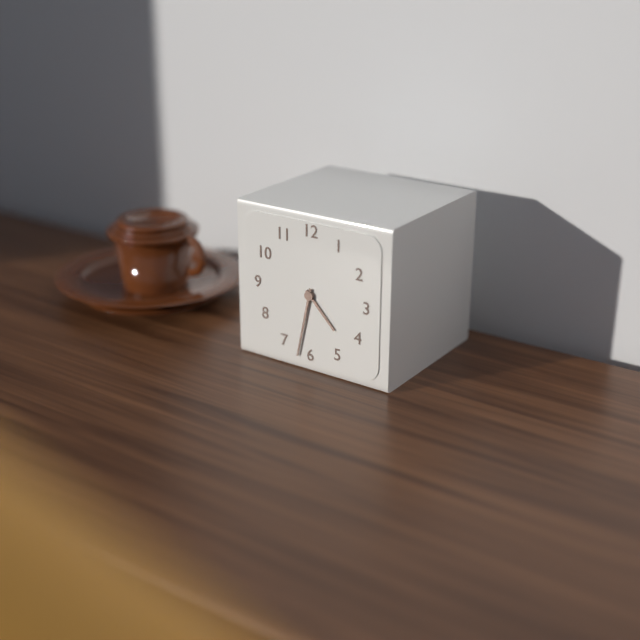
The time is 4:32
